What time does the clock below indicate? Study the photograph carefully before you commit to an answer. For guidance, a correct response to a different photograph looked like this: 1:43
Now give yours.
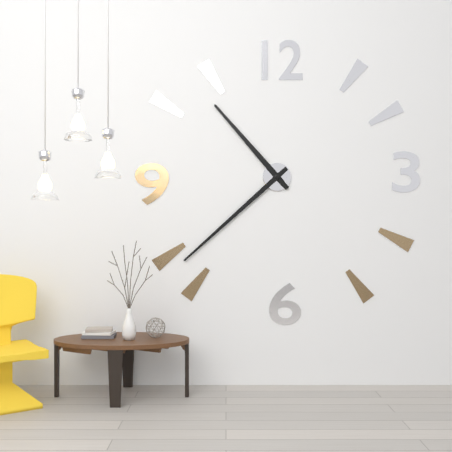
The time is 10:38
